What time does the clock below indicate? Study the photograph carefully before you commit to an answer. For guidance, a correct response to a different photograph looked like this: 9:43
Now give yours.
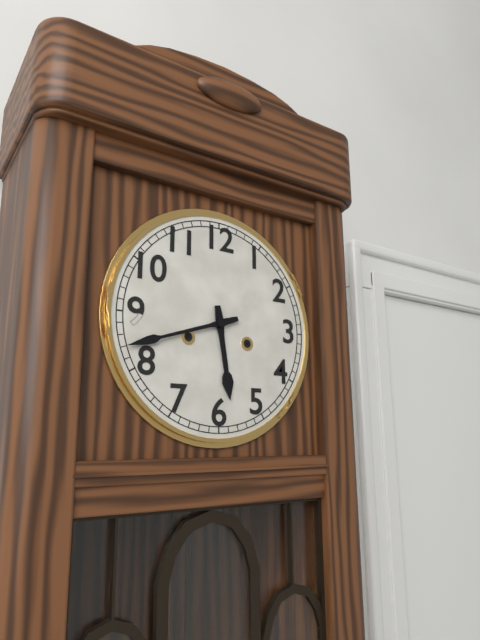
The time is 5:42
